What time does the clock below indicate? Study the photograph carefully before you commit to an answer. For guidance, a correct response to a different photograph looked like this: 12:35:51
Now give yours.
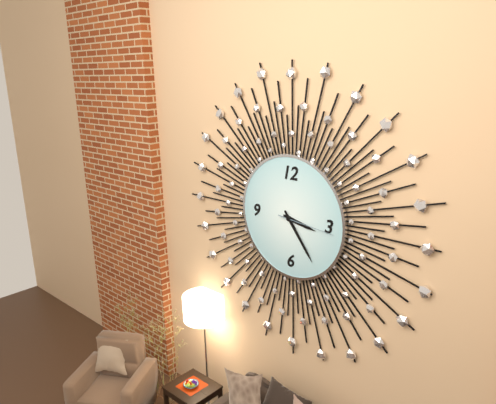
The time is 3:24:16
